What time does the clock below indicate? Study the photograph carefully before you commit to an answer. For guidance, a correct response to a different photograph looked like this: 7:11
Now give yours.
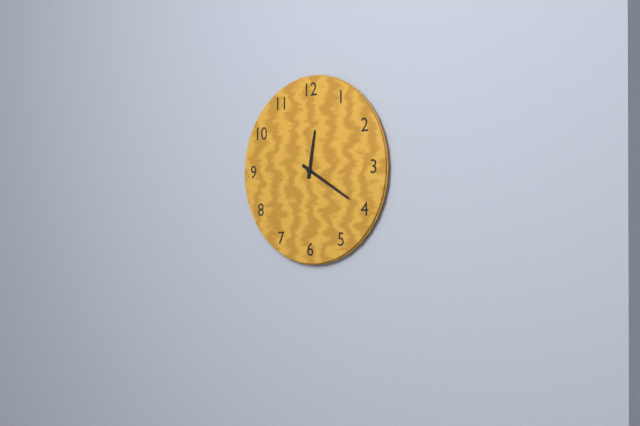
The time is 12:20
